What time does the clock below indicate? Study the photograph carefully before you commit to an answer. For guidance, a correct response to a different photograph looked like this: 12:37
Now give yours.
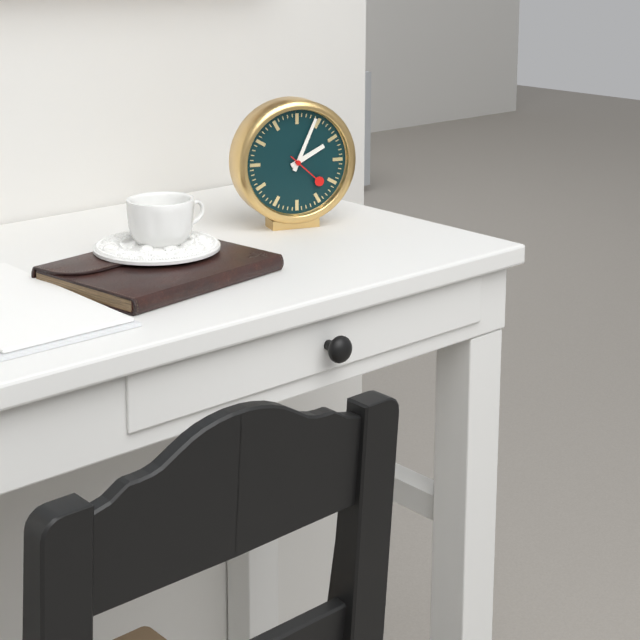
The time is 2:04
